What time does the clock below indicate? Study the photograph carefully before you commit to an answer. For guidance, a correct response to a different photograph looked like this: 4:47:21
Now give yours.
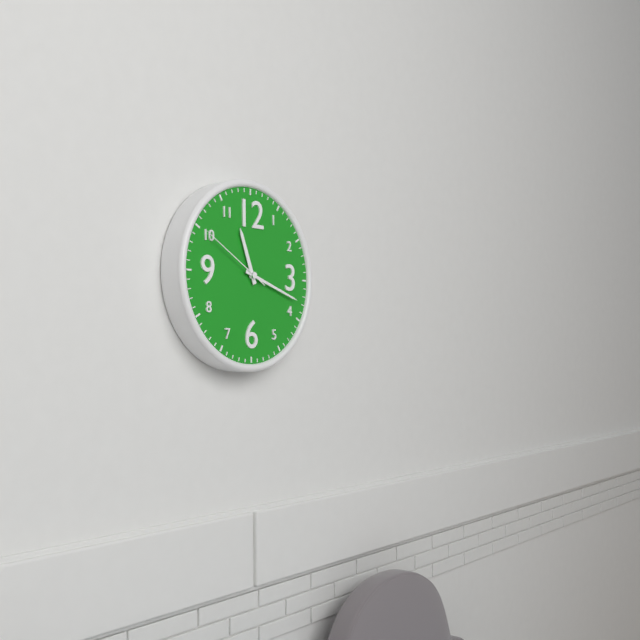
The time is 11:18:50
